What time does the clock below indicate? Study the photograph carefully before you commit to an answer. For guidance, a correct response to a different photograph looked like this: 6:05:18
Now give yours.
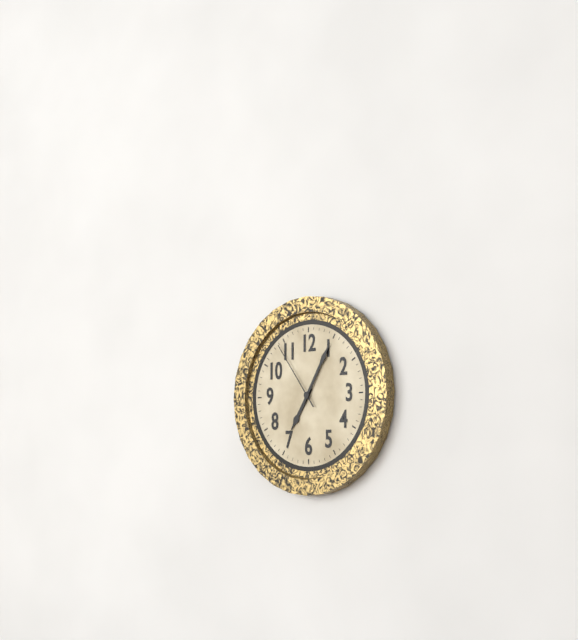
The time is 7:05:54
